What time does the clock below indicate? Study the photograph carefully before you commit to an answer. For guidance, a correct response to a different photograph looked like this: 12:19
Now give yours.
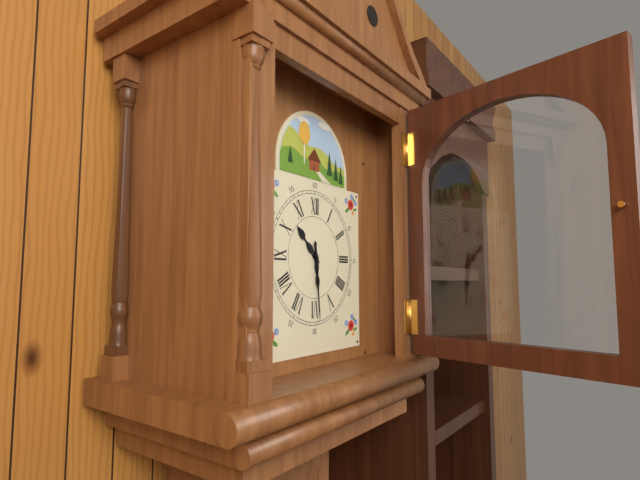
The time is 10:29
